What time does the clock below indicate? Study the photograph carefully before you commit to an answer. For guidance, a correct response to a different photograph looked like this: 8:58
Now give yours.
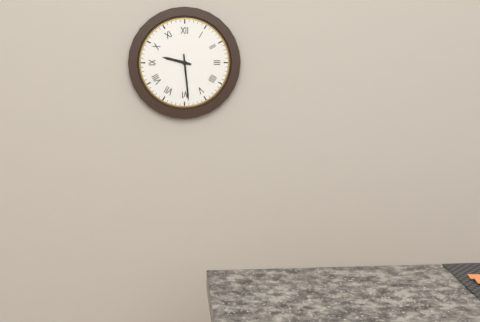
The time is 9:29
